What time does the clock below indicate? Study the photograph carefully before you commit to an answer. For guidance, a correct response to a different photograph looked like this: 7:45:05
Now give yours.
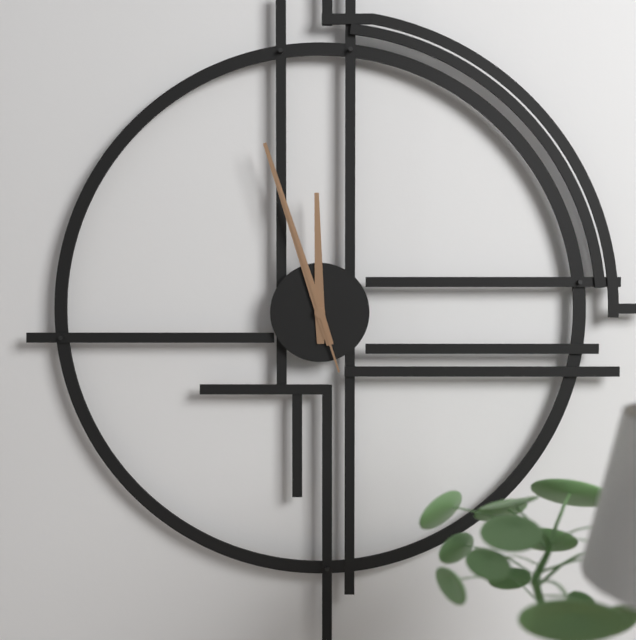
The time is 11:57:57
